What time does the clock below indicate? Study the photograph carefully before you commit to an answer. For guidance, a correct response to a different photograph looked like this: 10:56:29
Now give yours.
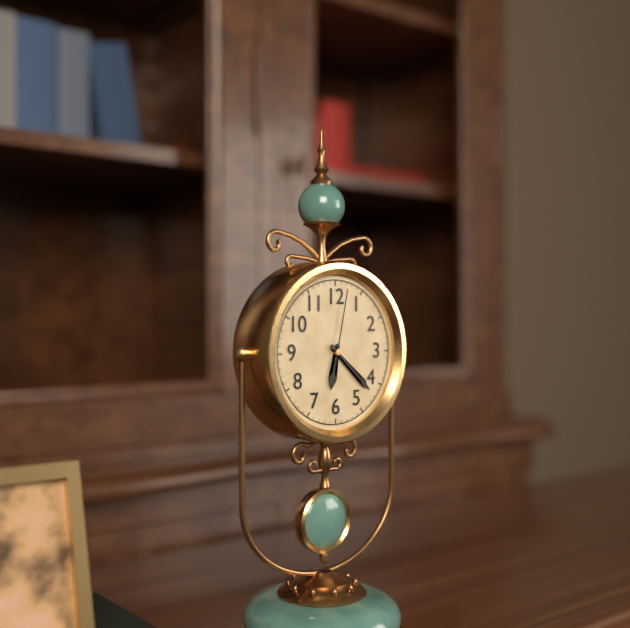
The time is 6:22:02
